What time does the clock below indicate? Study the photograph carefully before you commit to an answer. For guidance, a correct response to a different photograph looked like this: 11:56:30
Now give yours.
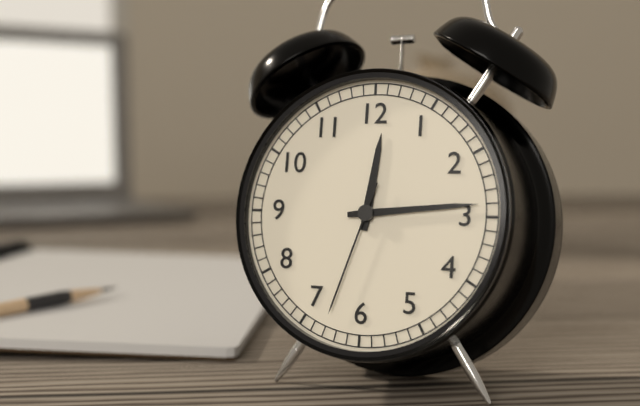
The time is 12:14:33
